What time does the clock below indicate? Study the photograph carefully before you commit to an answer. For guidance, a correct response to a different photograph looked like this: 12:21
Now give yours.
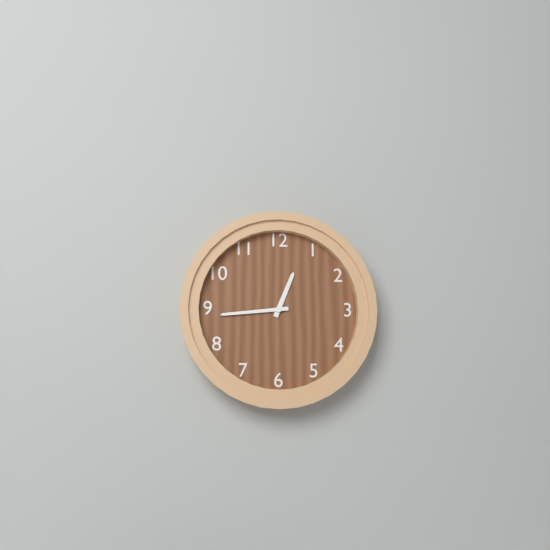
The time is 12:44
